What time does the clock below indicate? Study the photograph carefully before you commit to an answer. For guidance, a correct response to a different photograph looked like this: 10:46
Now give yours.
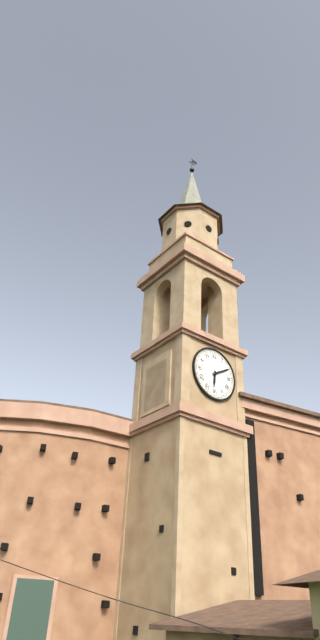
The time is 6:10
